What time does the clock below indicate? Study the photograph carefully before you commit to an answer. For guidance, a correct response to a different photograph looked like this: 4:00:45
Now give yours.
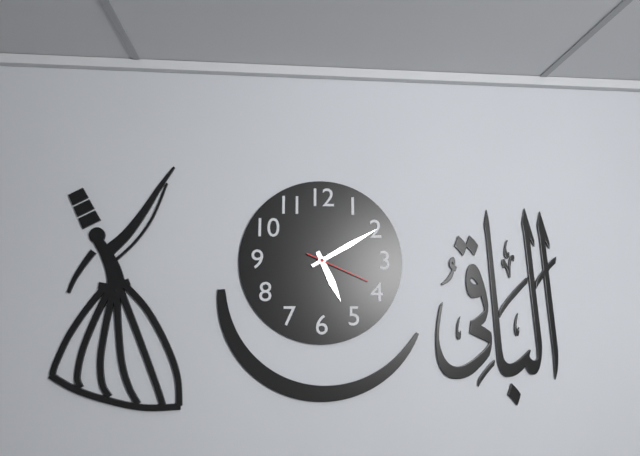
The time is 5:10:19
